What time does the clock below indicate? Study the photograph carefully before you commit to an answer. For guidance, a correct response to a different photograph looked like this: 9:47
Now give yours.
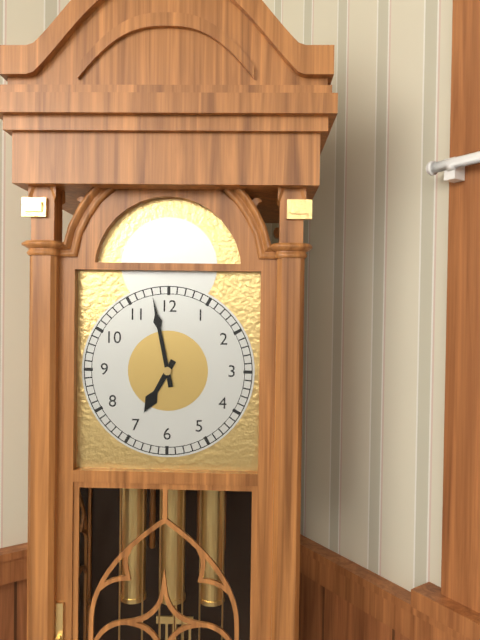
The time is 6:58
